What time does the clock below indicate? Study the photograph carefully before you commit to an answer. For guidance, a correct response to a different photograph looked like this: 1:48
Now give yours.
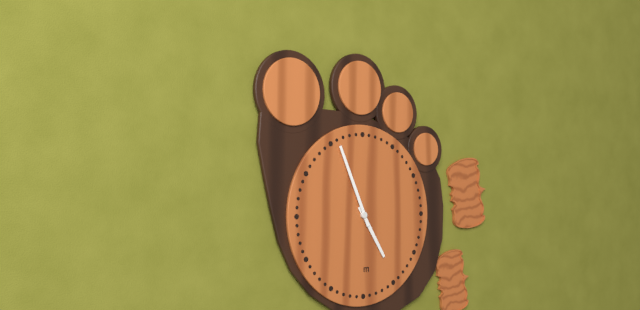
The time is 4:56
